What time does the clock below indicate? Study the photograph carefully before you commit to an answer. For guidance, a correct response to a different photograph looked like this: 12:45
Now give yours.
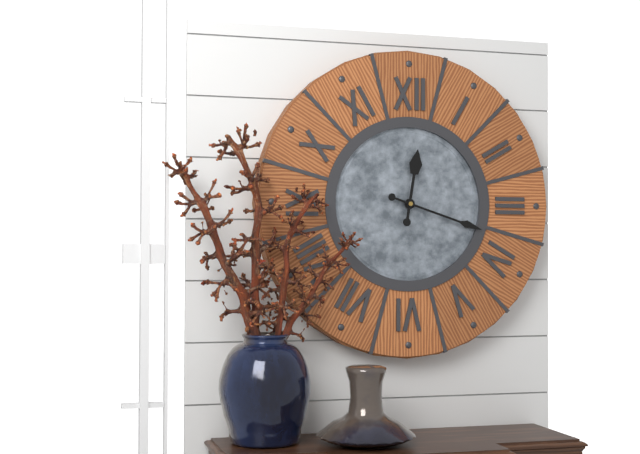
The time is 12:18
